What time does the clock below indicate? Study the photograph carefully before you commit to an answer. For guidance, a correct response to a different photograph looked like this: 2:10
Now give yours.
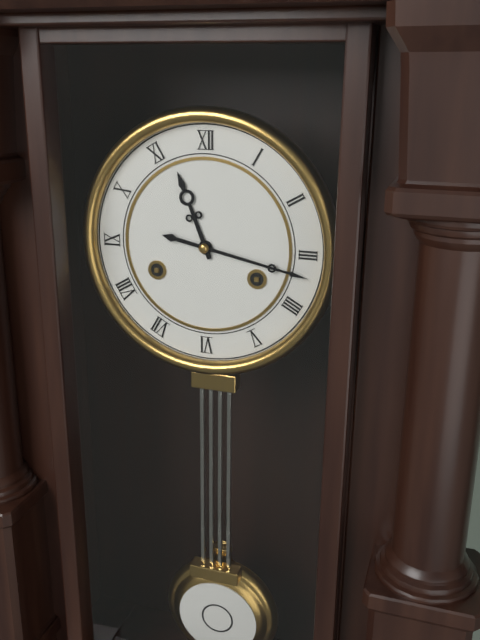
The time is 11:17
